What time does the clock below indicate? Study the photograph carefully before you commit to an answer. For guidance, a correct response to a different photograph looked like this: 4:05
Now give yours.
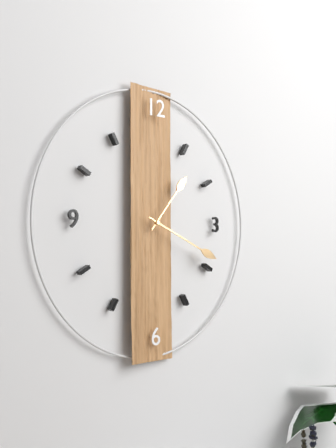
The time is 1:19
